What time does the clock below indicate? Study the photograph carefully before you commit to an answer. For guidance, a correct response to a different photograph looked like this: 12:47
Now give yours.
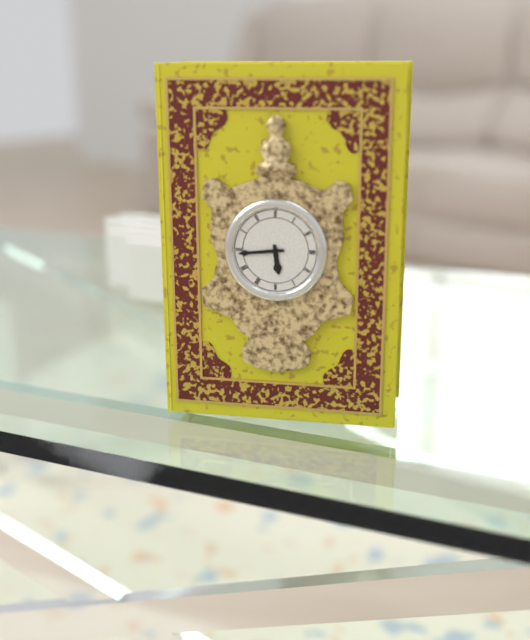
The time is 5:44
